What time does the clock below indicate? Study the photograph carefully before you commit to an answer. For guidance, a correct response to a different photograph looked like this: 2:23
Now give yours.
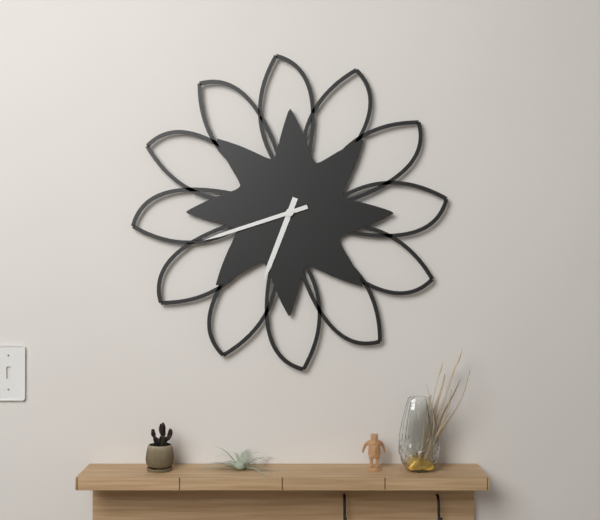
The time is 6:42
